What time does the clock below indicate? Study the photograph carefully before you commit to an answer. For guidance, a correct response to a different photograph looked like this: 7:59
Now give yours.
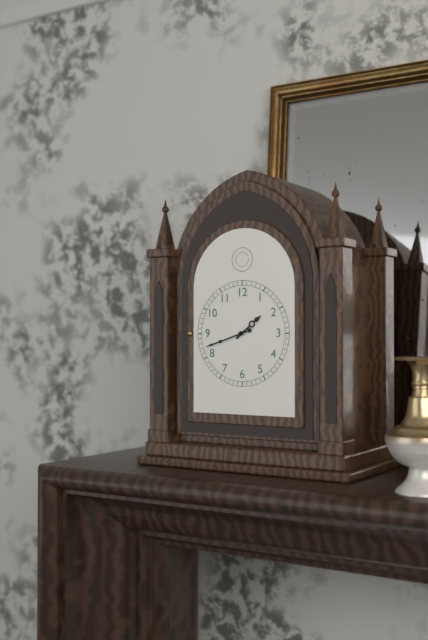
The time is 1:42
